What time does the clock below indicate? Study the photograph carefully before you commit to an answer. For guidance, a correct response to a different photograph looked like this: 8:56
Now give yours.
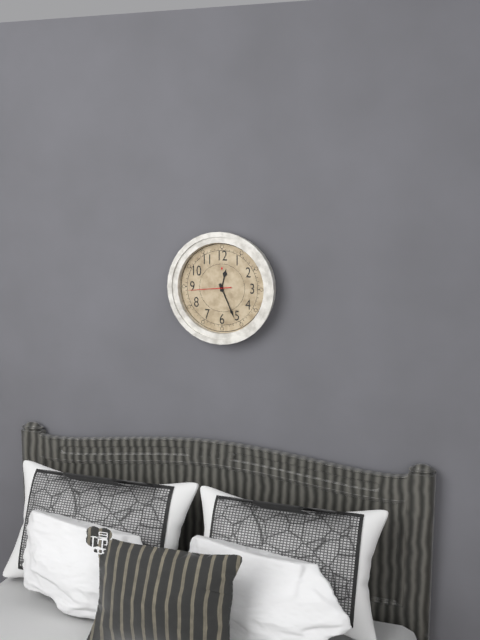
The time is 12:26
